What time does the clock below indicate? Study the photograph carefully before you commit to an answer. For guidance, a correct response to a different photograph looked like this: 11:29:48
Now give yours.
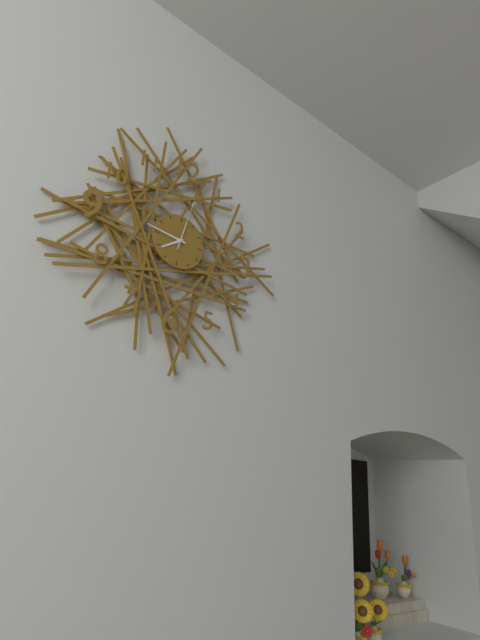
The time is 7:46:02
